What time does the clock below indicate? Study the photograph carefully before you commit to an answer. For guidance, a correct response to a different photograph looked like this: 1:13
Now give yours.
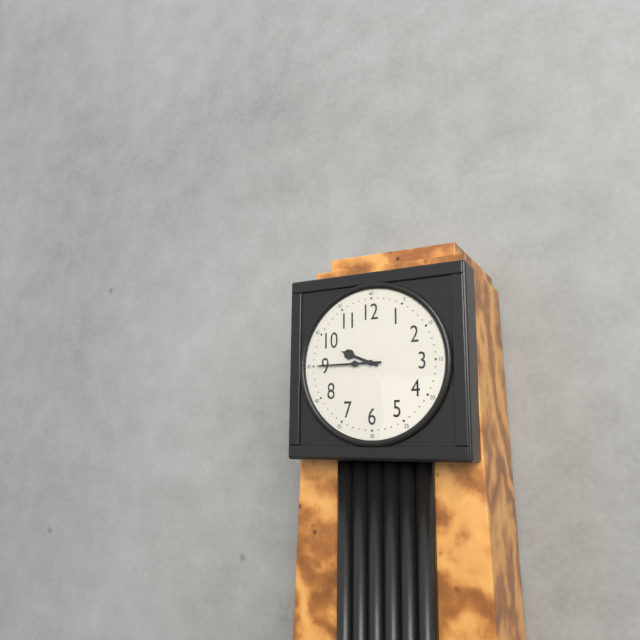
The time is 9:45
